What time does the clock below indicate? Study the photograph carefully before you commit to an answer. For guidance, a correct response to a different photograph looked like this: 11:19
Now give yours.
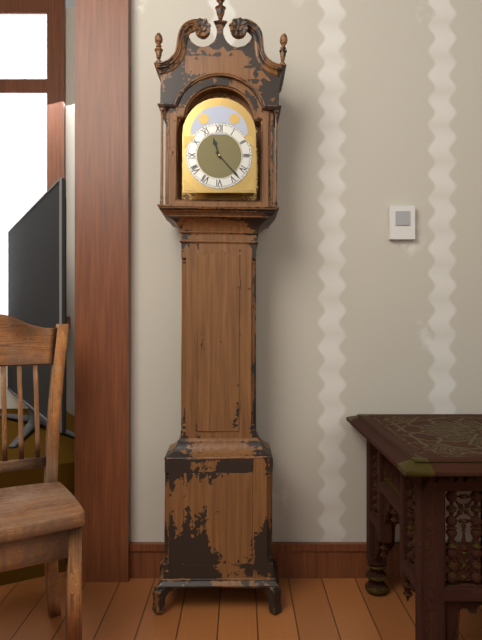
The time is 11:23
